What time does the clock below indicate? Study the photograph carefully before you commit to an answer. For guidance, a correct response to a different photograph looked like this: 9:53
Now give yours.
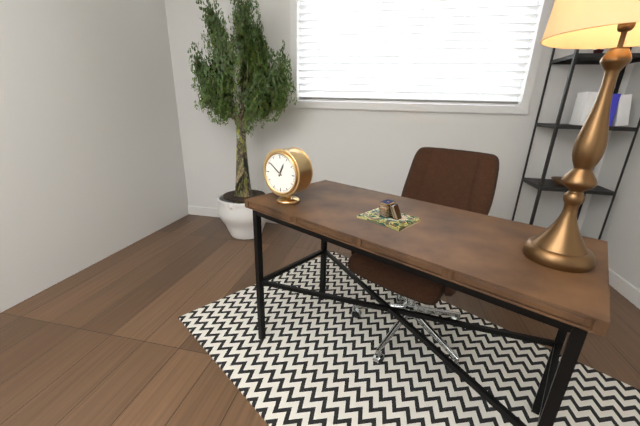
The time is 12:51
